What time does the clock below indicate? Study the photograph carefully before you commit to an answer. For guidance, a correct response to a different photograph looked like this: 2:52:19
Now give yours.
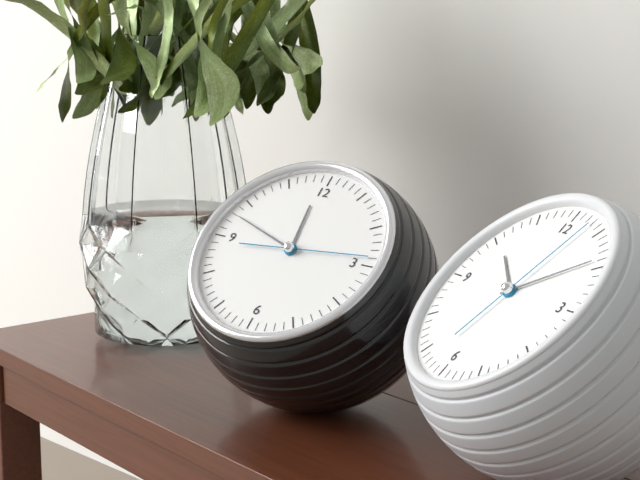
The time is 11:48:14
